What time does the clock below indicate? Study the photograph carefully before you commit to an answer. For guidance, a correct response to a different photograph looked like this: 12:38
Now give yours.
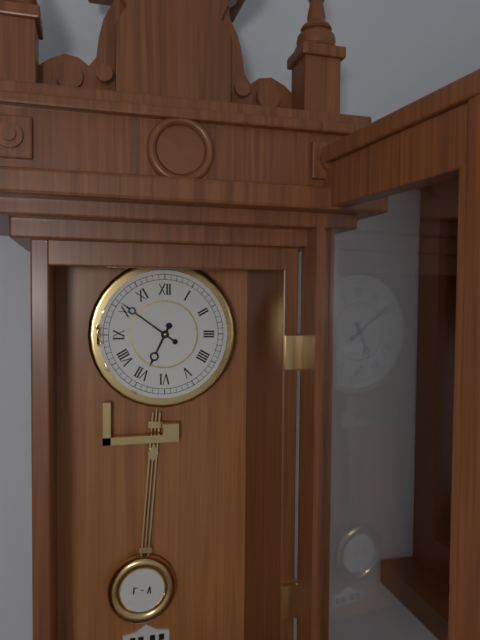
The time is 6:51
